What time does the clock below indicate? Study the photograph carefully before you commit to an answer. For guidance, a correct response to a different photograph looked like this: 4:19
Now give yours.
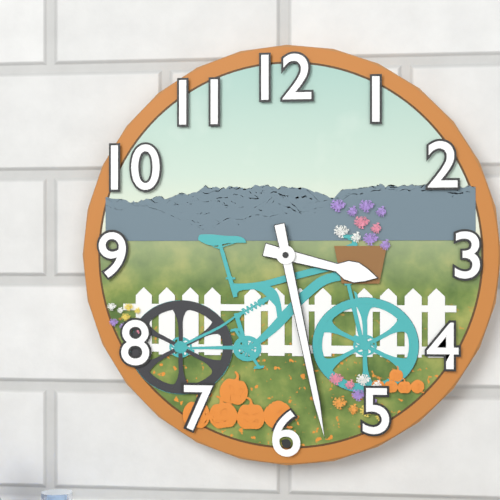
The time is 3:28
